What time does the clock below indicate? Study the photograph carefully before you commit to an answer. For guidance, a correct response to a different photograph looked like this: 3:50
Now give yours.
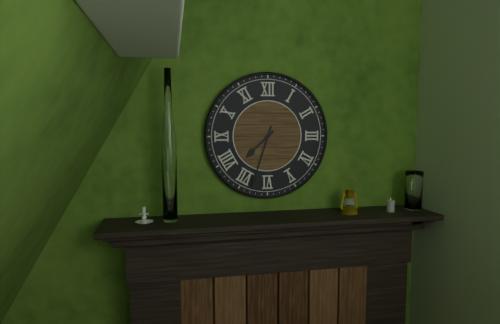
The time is 7:33
